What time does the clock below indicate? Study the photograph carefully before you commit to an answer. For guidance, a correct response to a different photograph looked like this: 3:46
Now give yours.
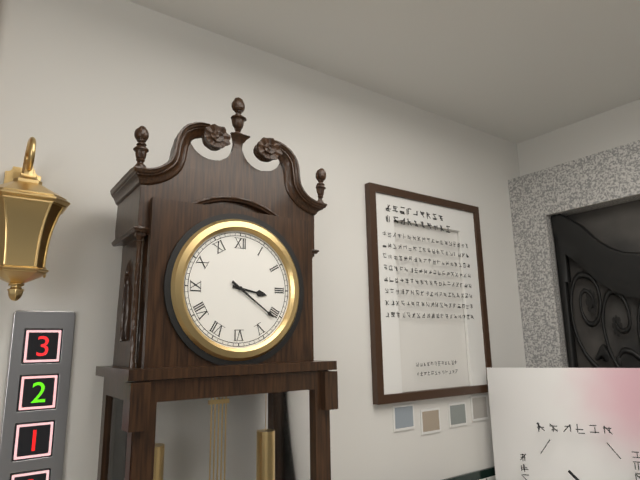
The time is 3:21
